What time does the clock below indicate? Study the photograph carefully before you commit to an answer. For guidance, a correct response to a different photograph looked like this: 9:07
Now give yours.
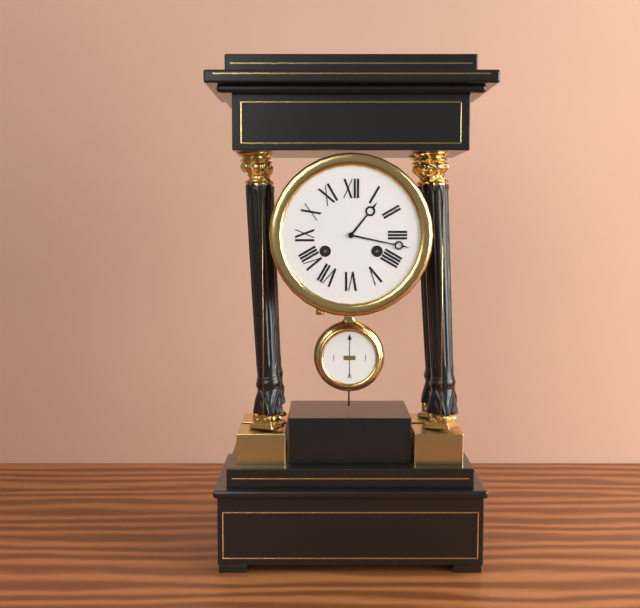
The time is 1:17
